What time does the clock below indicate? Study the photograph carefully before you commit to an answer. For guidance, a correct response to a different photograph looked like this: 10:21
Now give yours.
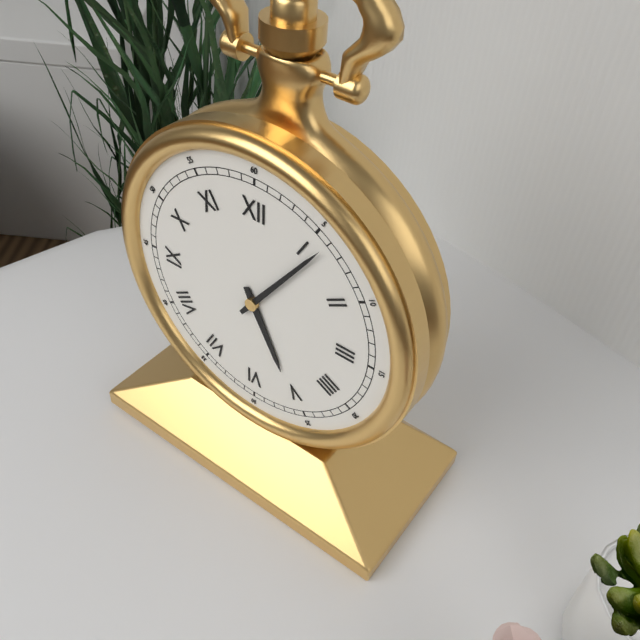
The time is 5:06
